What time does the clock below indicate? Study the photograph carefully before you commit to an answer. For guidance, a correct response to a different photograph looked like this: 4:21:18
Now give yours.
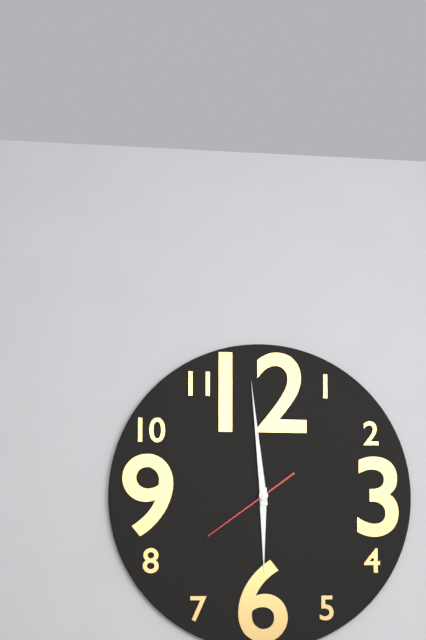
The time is 5:59:39
